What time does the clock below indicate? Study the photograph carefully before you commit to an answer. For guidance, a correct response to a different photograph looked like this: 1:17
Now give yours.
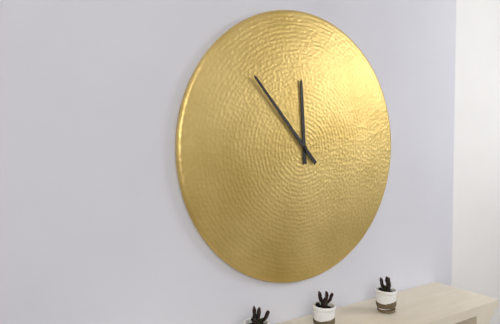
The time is 11:53
